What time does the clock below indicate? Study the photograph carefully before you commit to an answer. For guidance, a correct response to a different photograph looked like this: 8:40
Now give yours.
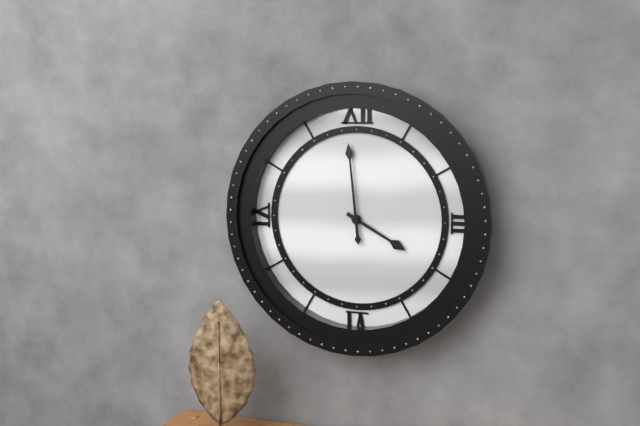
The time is 3:59
